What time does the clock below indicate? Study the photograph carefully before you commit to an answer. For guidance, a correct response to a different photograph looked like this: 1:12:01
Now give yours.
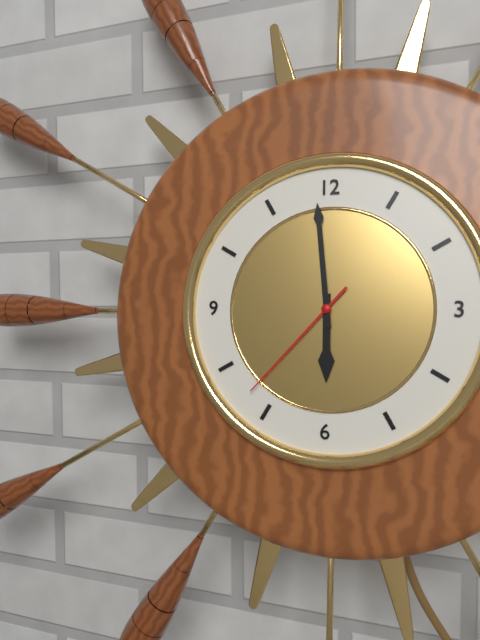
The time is 5:59:37
